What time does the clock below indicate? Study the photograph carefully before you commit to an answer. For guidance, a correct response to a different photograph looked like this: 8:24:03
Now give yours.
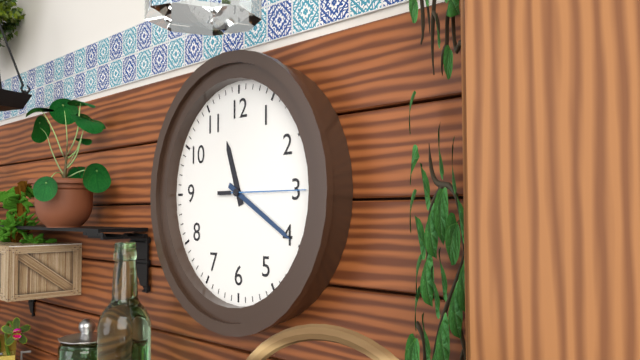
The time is 11:20:15
